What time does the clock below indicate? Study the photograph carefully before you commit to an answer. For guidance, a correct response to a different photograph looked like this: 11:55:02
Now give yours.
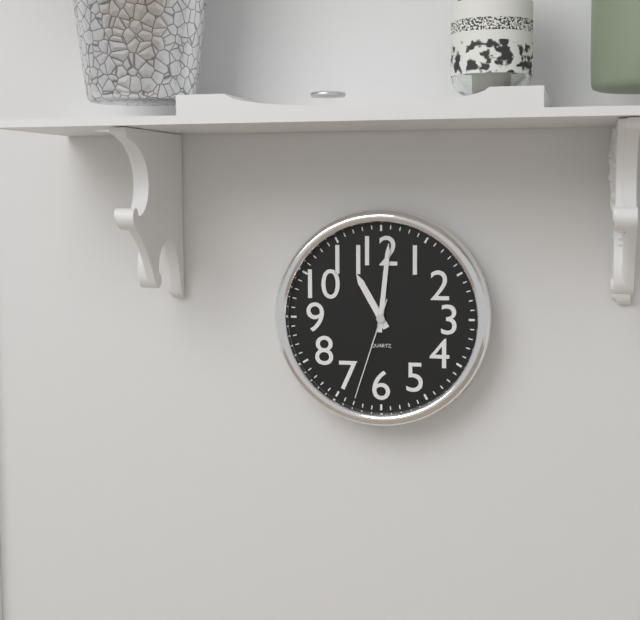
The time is 11:01:33
